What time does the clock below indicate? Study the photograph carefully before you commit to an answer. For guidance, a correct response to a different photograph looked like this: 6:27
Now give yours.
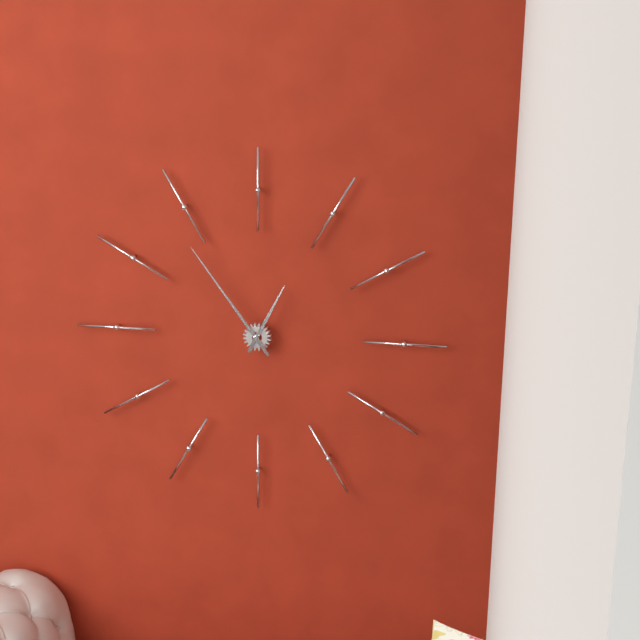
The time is 12:54
